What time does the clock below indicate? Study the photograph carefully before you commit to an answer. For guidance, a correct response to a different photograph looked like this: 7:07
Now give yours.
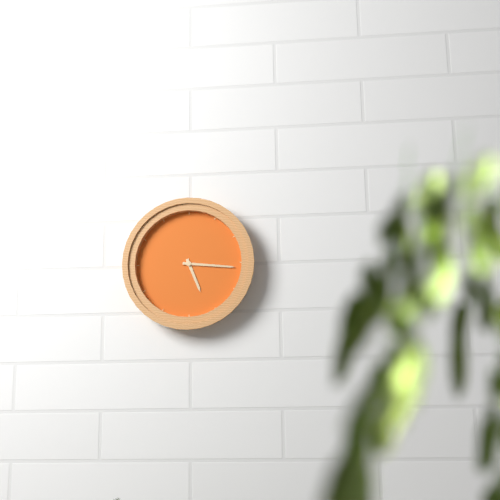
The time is 5:16
